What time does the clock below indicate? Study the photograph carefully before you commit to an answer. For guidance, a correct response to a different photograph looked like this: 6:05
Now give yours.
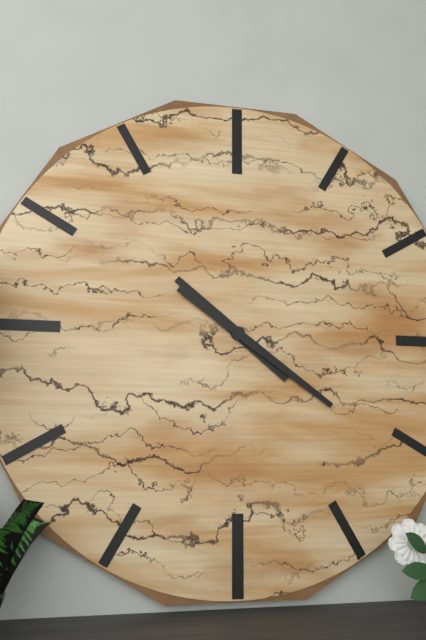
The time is 10:21
